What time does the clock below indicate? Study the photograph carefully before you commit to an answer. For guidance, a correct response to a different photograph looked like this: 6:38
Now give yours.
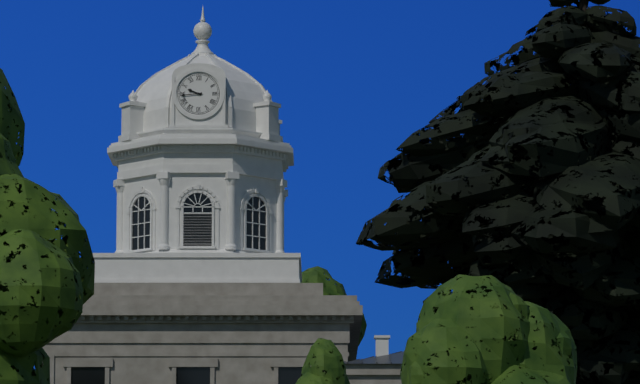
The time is 9:44
